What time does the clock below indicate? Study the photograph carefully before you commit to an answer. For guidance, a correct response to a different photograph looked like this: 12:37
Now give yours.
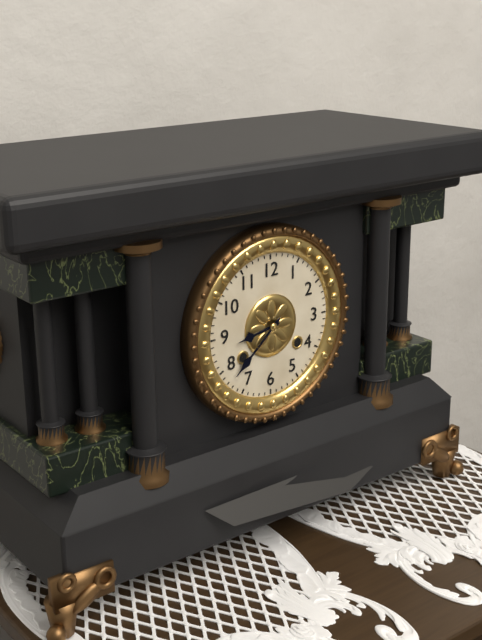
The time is 8:38
